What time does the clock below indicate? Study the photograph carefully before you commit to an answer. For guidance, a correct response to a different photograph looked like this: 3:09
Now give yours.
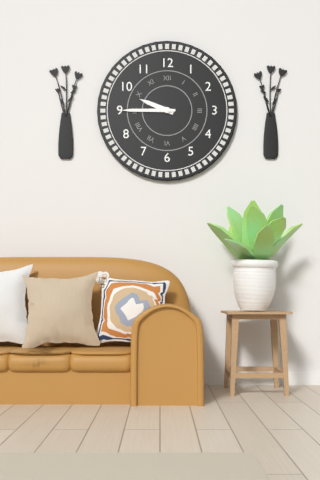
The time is 9:45
